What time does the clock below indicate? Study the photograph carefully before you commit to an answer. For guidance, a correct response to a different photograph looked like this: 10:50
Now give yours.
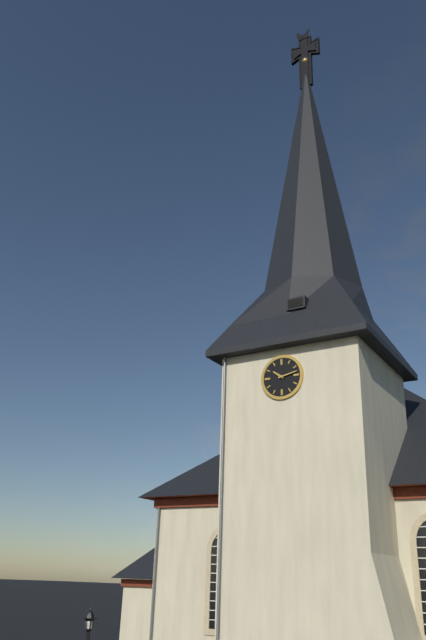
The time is 10:13
